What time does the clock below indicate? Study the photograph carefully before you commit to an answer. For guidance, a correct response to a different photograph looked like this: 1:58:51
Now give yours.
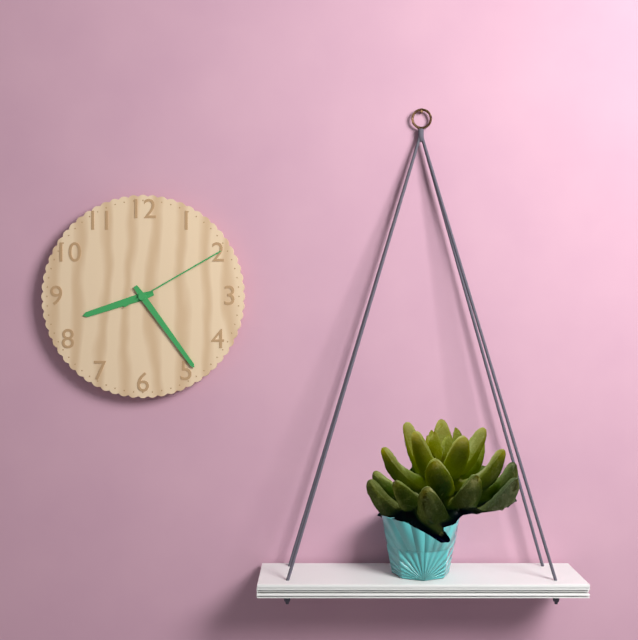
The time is 8:24:10
